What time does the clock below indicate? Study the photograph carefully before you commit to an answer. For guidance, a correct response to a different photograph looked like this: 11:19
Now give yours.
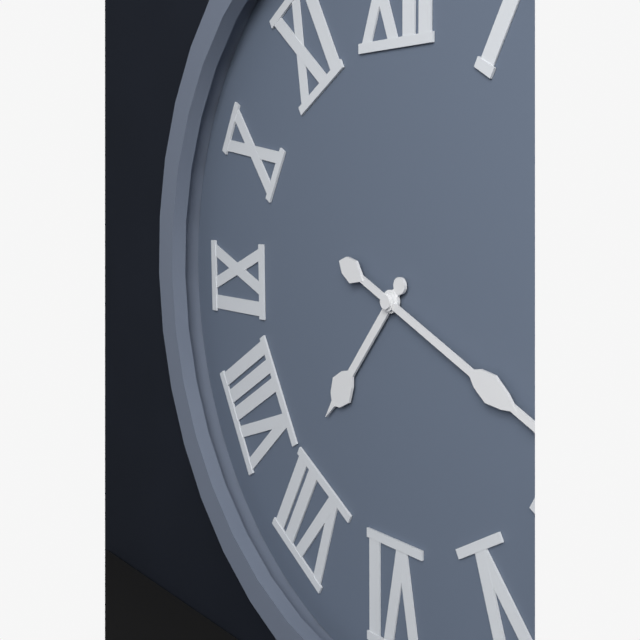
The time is 7:19
